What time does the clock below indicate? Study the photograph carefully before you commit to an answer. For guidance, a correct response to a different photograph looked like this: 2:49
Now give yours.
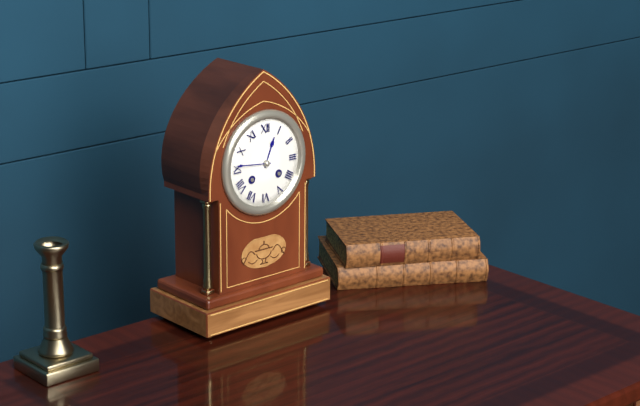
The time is 12:46
